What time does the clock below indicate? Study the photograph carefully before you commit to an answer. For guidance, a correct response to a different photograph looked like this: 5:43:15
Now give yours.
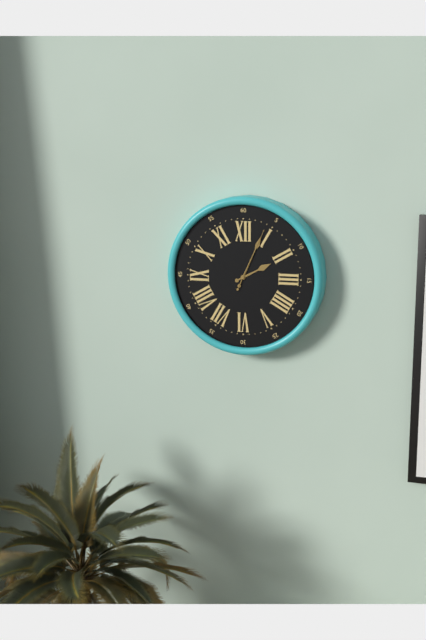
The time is 2:04:04
